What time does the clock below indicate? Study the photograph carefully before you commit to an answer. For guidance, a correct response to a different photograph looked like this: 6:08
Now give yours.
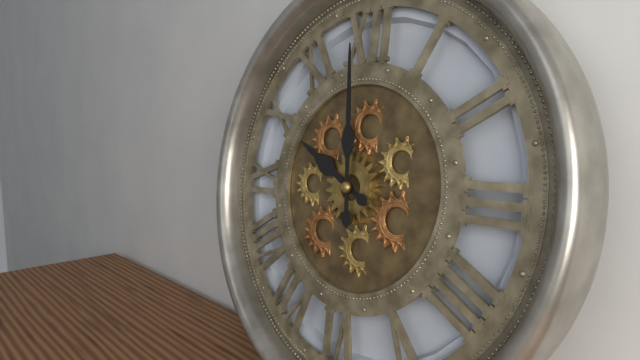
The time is 9:59
